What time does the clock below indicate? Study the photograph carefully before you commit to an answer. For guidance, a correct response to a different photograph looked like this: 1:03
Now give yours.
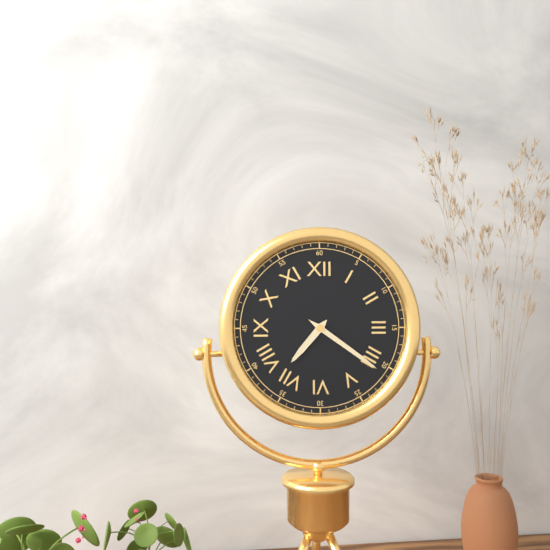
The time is 7:21
